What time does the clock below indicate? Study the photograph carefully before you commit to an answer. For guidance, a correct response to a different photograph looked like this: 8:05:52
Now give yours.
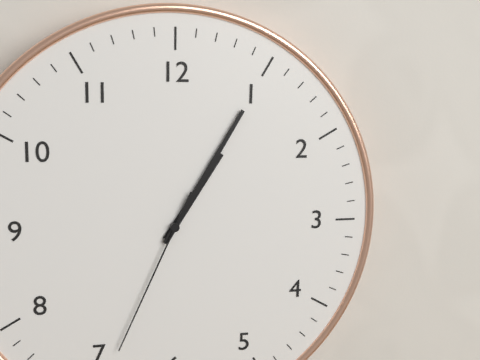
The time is 1:05:34
